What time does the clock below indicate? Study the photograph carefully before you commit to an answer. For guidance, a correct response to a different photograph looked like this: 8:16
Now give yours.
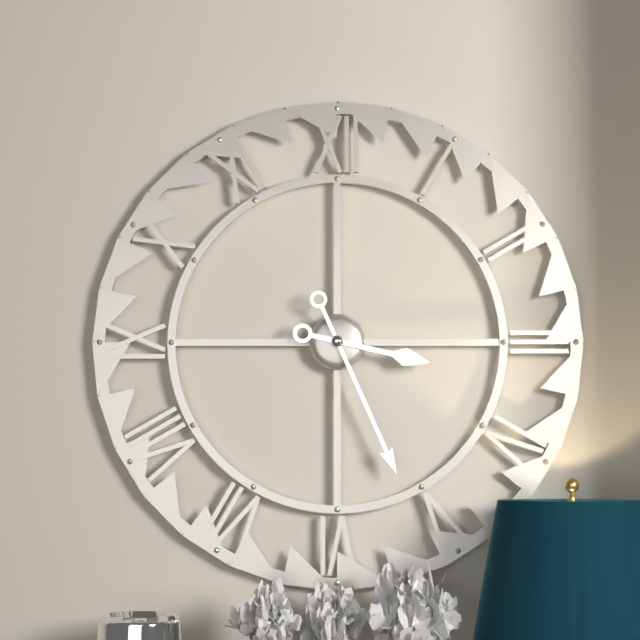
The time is 3:26
